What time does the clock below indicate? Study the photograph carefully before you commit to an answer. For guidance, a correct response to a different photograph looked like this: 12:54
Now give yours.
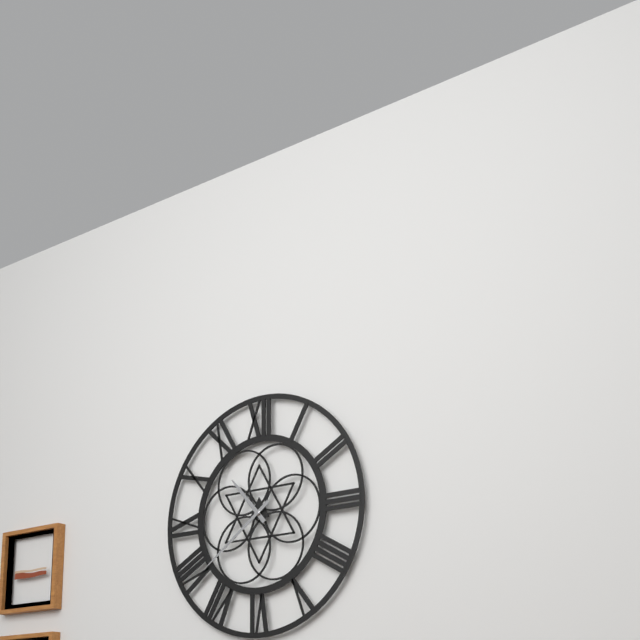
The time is 10:39
